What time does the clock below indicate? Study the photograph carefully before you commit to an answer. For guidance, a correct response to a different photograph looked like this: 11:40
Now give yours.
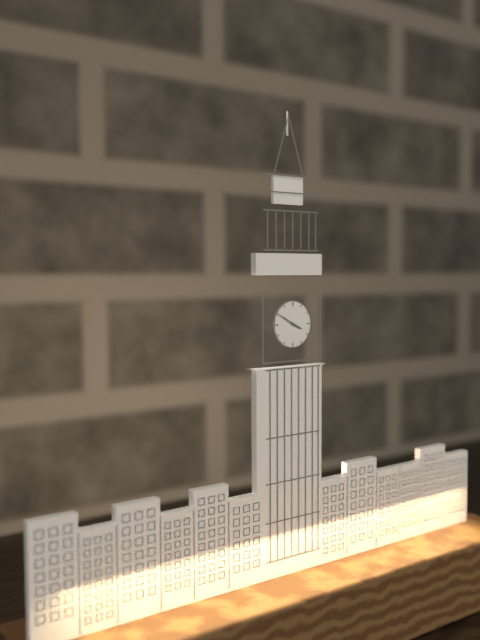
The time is 3:50
